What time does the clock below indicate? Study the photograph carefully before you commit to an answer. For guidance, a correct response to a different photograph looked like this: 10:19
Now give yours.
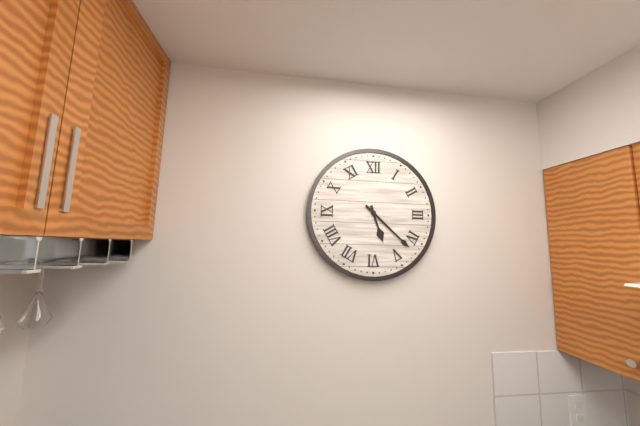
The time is 5:22
